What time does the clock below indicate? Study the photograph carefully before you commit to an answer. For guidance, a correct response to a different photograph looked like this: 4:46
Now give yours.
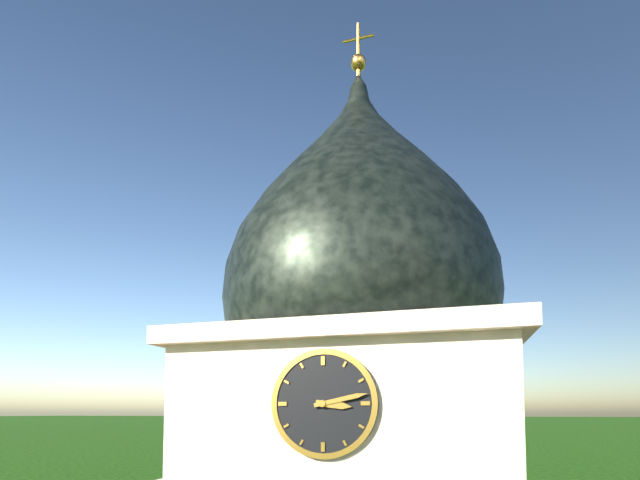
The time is 3:13
